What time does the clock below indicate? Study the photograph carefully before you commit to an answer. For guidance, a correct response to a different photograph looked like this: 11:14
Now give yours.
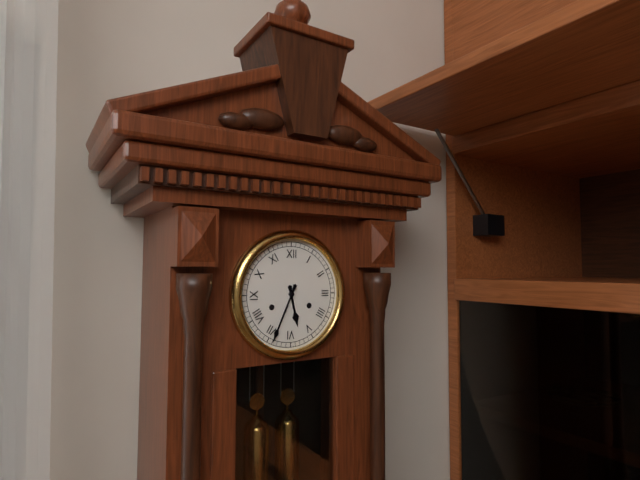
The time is 5:34
